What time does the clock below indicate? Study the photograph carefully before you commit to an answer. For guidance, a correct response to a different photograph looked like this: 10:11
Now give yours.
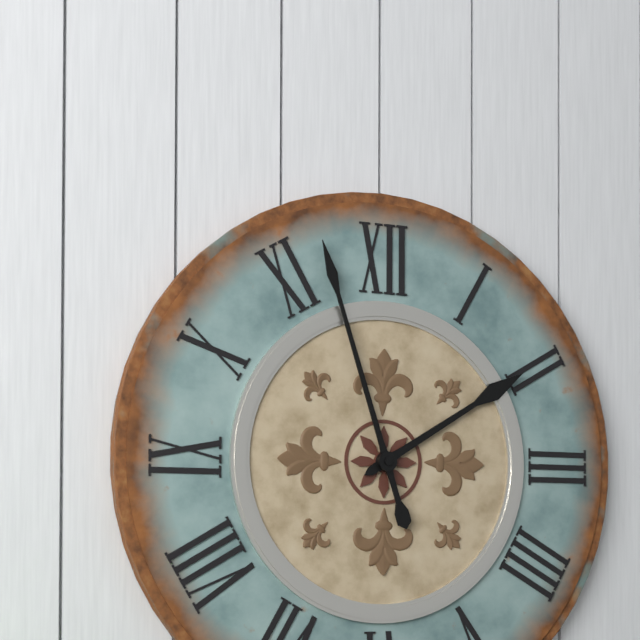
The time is 1:57
